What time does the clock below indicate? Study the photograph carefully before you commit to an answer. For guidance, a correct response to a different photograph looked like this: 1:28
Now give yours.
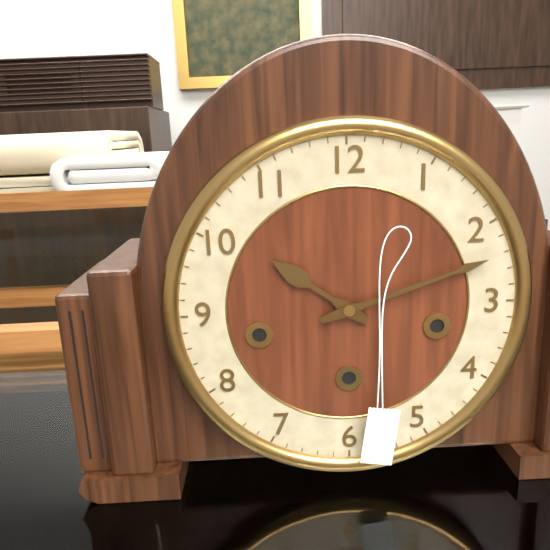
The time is 10:12
